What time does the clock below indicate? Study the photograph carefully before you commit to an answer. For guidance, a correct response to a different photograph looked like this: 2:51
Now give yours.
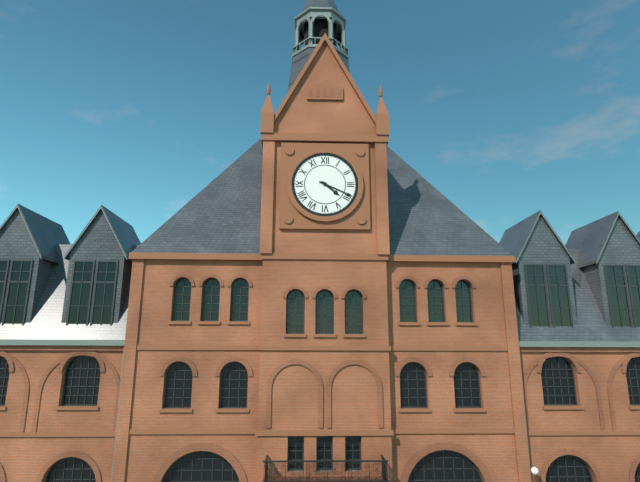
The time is 4:19
